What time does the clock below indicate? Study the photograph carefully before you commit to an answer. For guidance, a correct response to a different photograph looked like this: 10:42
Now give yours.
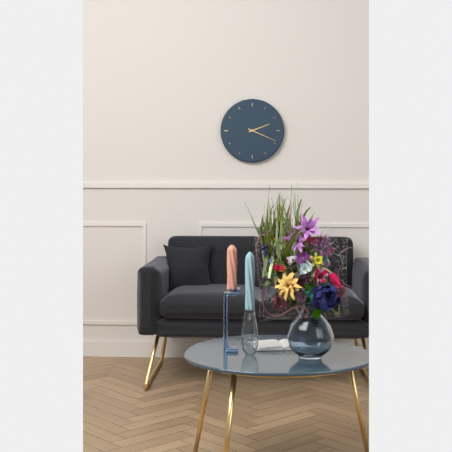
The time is 2:19
